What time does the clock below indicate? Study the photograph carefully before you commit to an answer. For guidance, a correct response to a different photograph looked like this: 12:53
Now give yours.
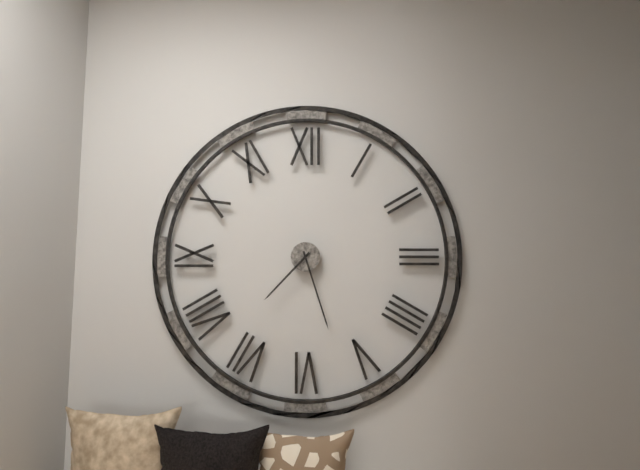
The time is 7:27
